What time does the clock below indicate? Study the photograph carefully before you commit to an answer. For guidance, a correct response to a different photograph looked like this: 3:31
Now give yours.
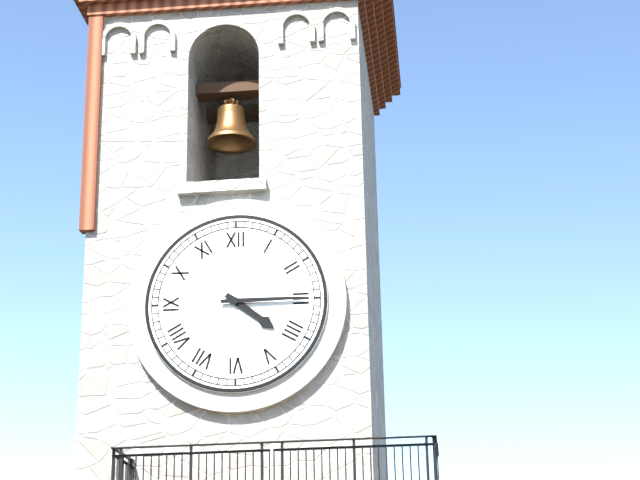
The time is 4:15
